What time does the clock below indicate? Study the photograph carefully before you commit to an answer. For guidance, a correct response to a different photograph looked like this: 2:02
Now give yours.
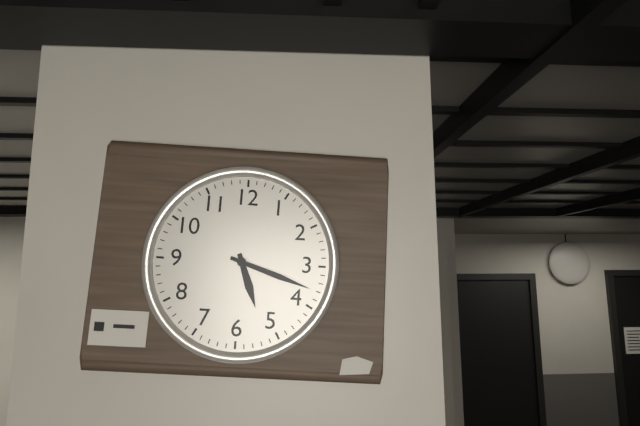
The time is 5:18
